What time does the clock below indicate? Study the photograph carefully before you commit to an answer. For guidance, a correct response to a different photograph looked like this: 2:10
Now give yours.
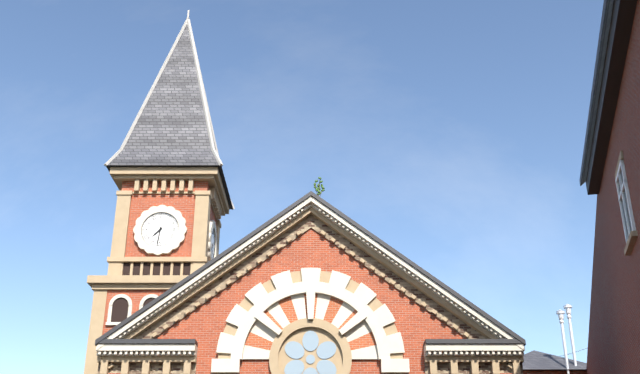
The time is 7:31
